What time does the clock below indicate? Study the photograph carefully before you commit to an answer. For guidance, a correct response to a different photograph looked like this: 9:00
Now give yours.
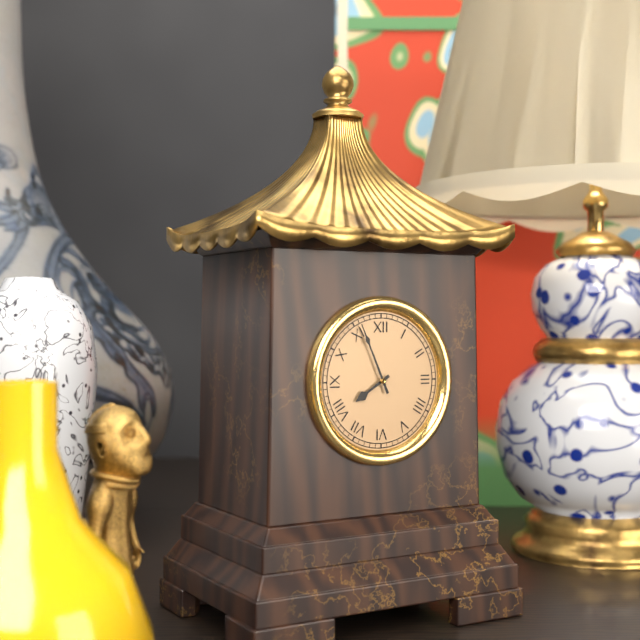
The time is 7:56
